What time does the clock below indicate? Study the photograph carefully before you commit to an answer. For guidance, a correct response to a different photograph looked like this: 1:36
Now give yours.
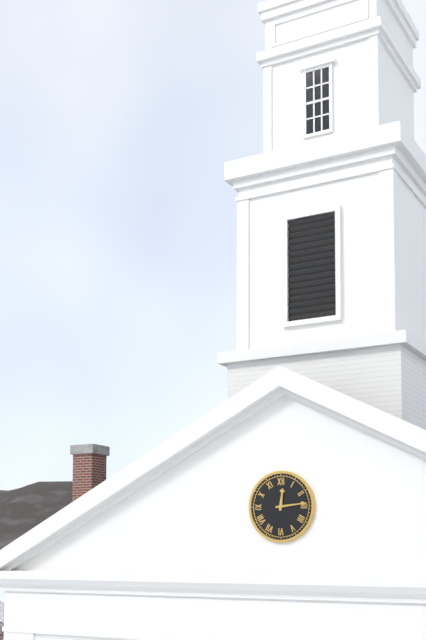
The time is 12:14
